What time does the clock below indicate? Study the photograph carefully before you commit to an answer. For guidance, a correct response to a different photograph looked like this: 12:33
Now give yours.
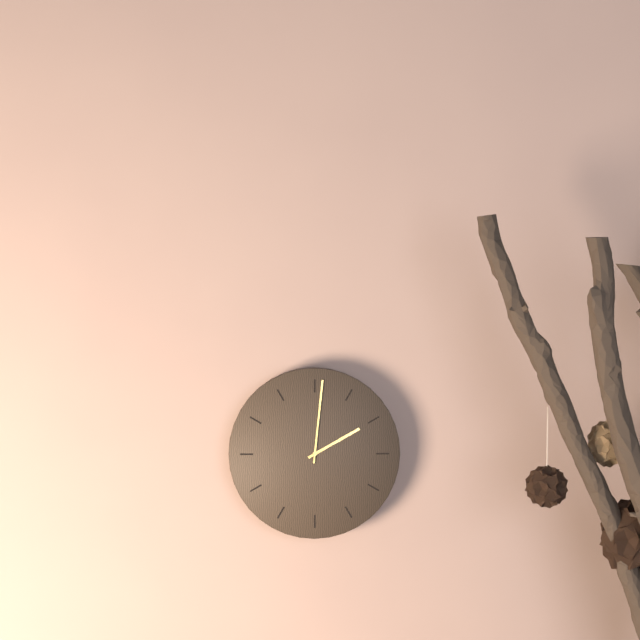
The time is 2:01
